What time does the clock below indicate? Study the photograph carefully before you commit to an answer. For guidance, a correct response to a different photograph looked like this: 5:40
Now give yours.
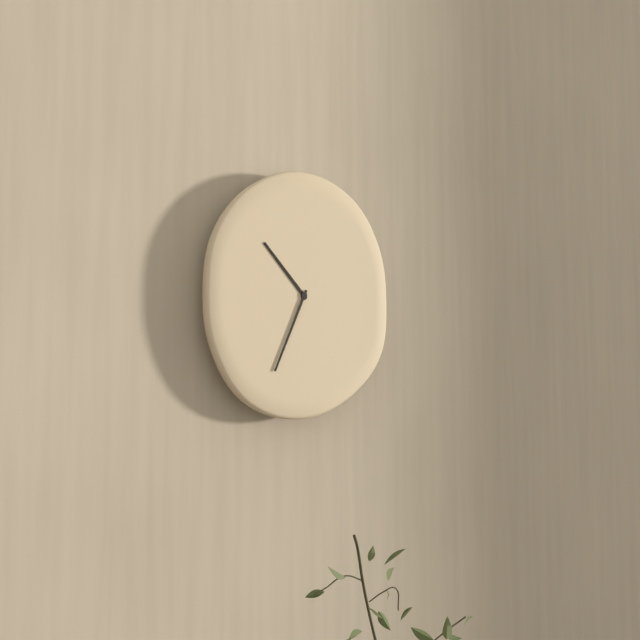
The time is 10:34
